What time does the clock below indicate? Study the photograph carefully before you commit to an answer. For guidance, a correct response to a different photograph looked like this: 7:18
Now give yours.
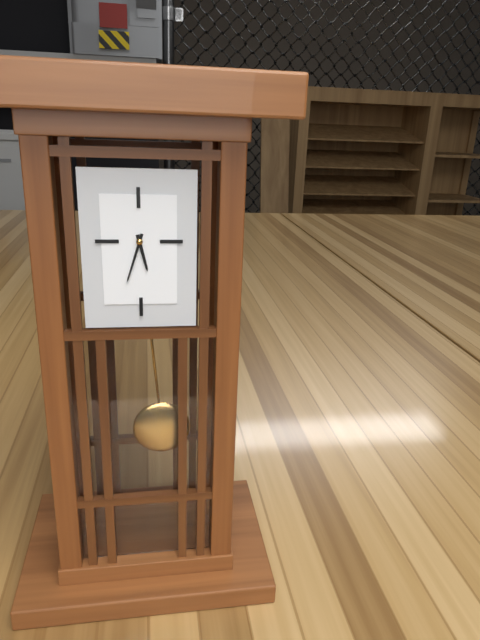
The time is 5:33
